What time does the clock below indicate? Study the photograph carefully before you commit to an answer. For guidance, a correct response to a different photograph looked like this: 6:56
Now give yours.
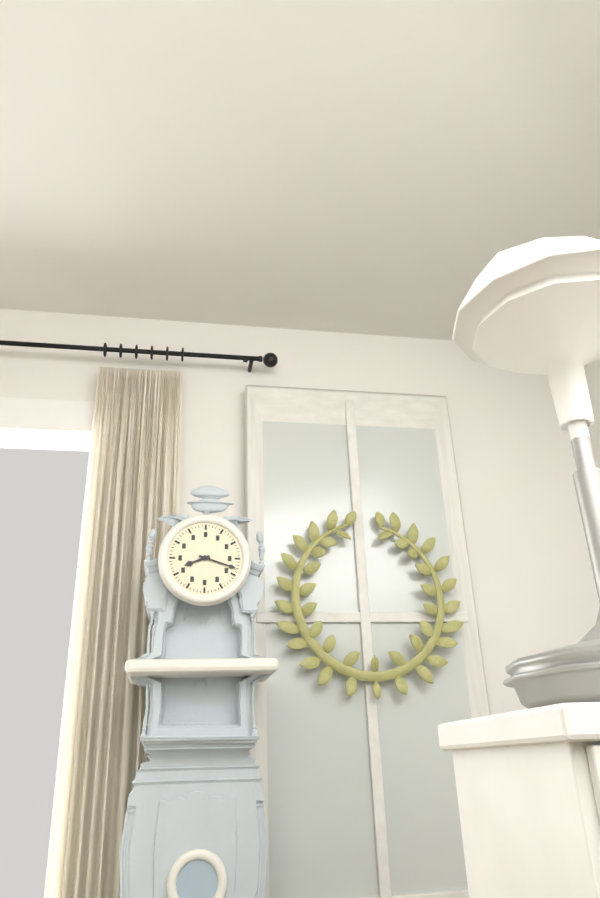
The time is 8:18
